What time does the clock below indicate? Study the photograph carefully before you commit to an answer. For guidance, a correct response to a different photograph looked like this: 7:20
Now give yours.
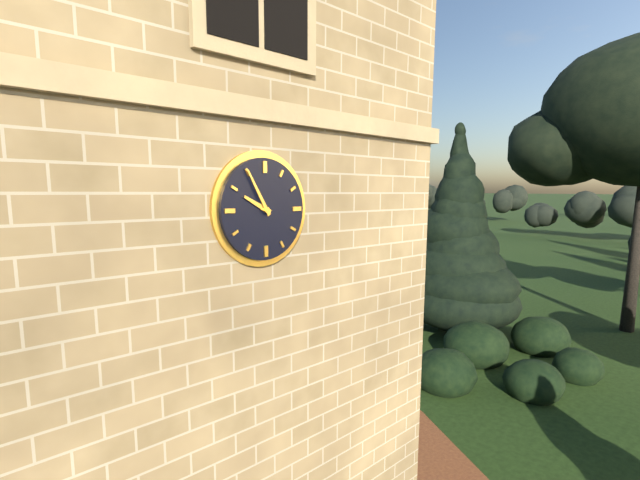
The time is 9:55
